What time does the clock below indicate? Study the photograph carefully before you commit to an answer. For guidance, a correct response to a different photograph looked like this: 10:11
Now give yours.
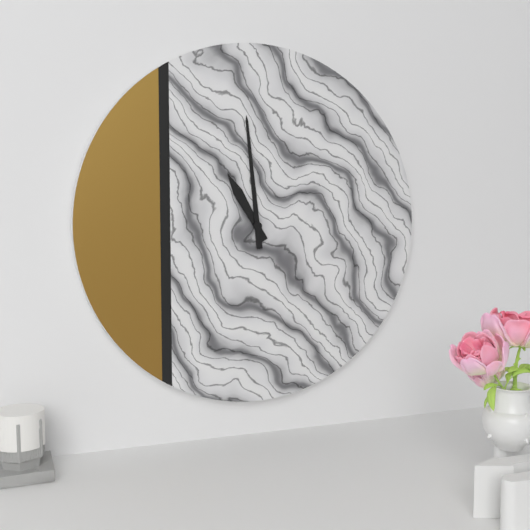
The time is 10:59
